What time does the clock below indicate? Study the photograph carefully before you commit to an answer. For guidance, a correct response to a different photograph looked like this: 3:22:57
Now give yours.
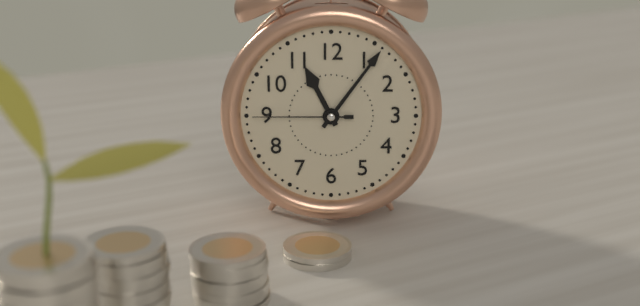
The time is 11:06:45
